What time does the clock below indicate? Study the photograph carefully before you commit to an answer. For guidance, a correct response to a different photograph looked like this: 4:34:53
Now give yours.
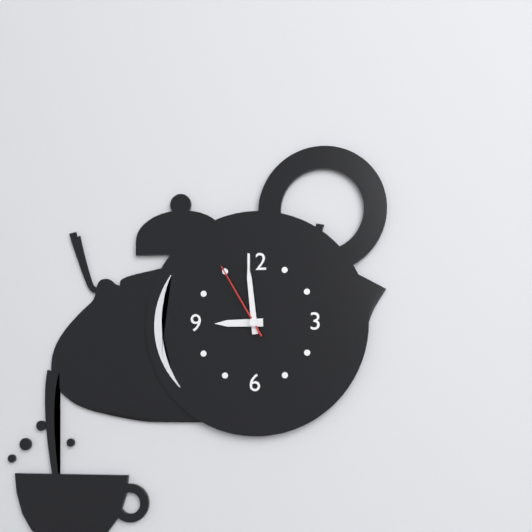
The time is 8:59:55
